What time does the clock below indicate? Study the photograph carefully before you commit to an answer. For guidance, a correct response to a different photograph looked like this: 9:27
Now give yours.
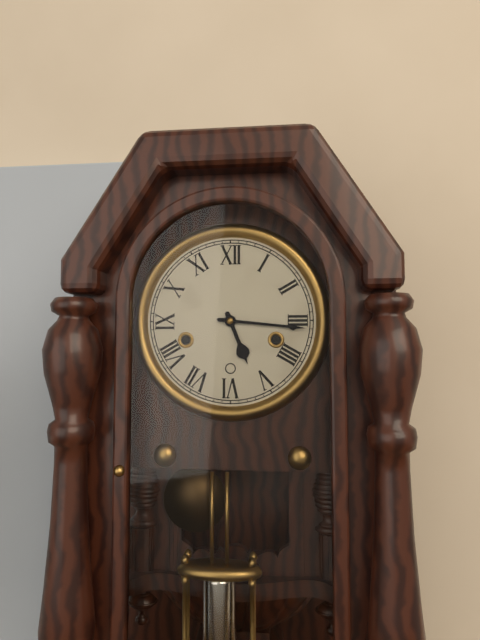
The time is 5:16
